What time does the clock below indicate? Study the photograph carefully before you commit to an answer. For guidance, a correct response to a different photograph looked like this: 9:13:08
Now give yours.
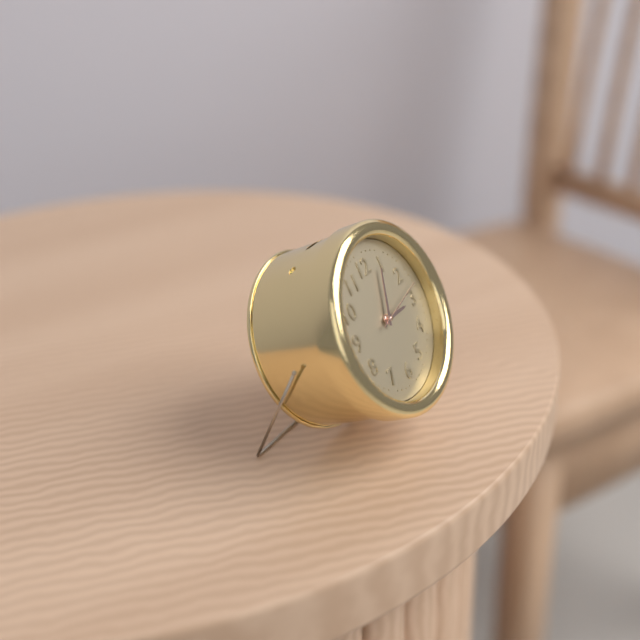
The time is 3:04:13
